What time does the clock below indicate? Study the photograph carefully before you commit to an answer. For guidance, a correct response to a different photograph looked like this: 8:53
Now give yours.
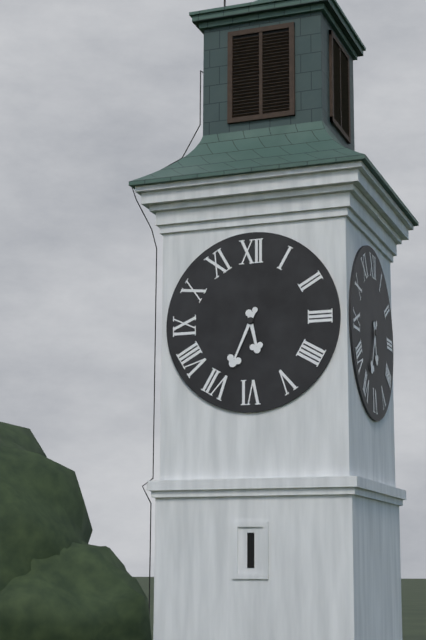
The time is 5:34
